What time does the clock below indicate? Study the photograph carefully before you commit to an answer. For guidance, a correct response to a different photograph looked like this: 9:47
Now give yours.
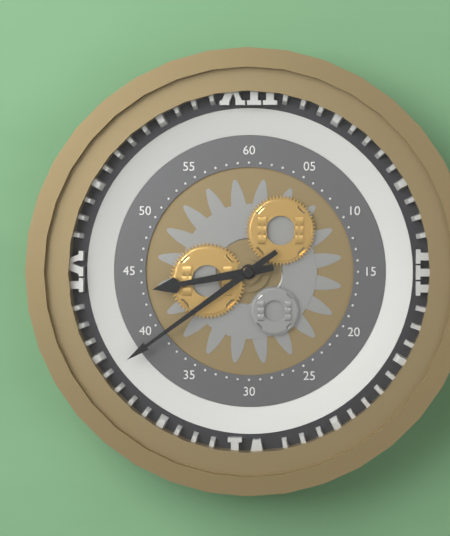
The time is 8:39
